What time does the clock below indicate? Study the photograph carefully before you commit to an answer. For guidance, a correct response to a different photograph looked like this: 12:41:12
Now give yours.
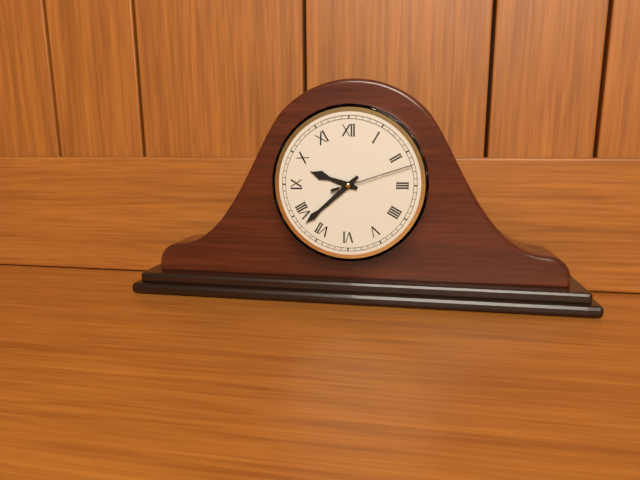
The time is 9:38:12
